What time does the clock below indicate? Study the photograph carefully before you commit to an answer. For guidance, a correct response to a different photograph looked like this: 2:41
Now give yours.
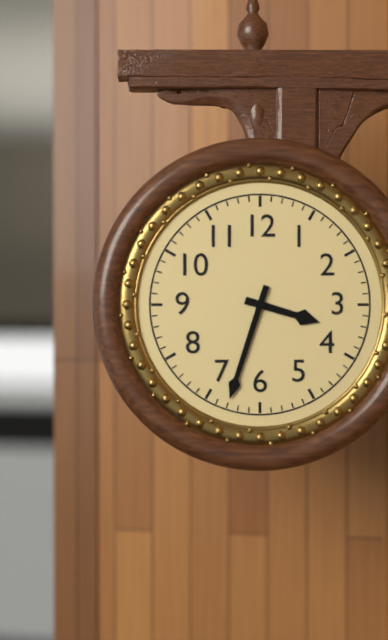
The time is 3:33
